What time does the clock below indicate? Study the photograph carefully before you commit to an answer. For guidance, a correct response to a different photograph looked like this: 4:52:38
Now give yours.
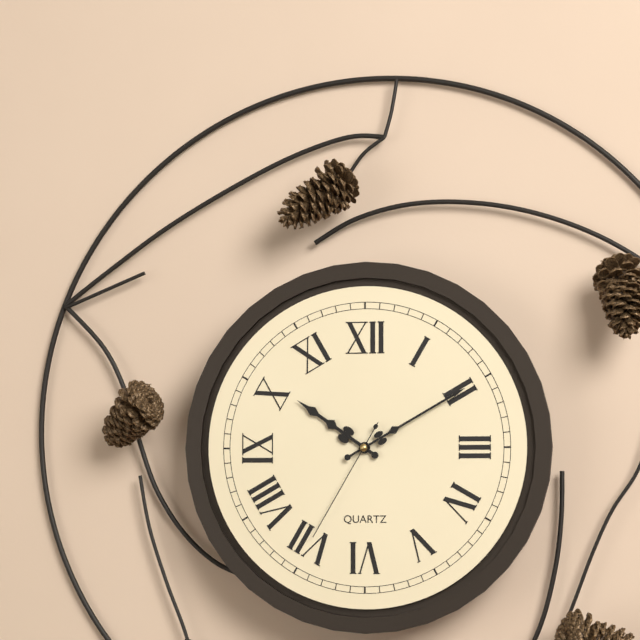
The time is 10:10:35
